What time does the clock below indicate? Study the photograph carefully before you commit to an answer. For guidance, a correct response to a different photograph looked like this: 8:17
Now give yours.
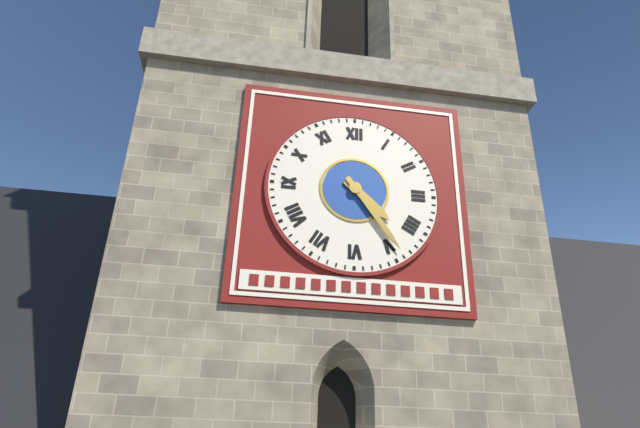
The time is 4:24
